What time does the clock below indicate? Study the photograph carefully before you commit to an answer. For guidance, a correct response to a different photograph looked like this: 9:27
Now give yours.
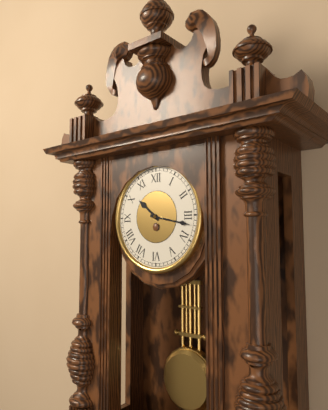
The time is 10:17
